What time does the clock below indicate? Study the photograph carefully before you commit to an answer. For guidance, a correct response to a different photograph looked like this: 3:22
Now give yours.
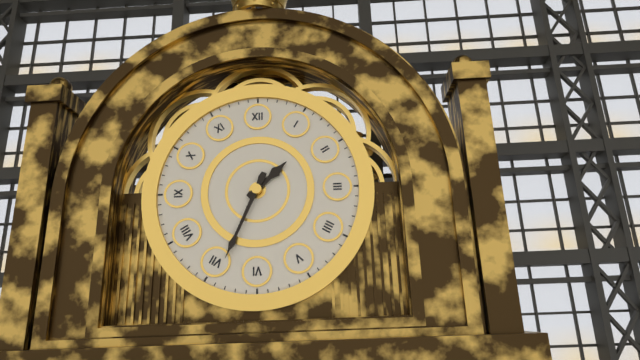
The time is 1:34
